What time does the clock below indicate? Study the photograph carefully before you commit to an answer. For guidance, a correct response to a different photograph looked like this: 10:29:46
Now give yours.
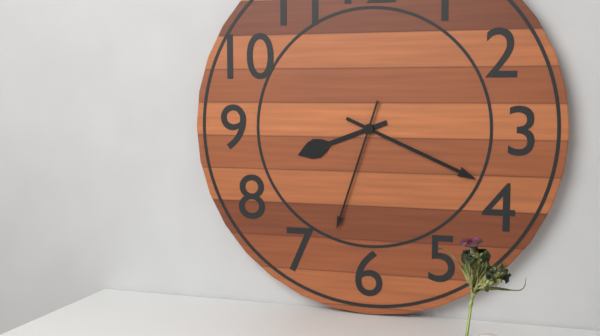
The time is 8:19:33
